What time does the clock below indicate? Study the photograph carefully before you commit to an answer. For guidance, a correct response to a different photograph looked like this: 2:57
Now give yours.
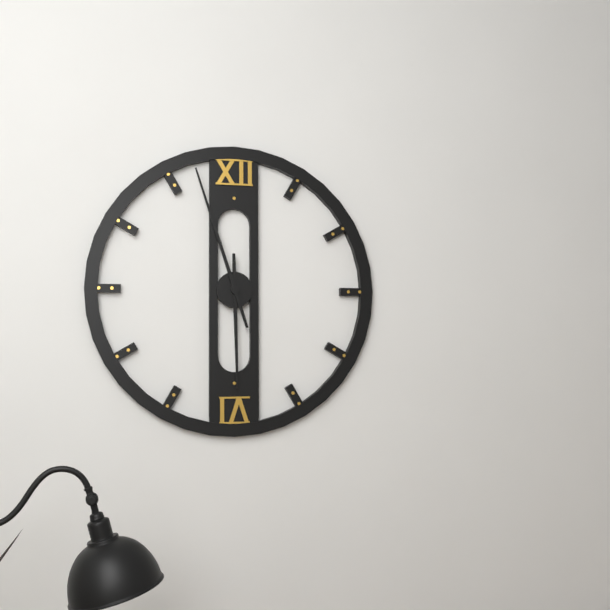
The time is 5:57
